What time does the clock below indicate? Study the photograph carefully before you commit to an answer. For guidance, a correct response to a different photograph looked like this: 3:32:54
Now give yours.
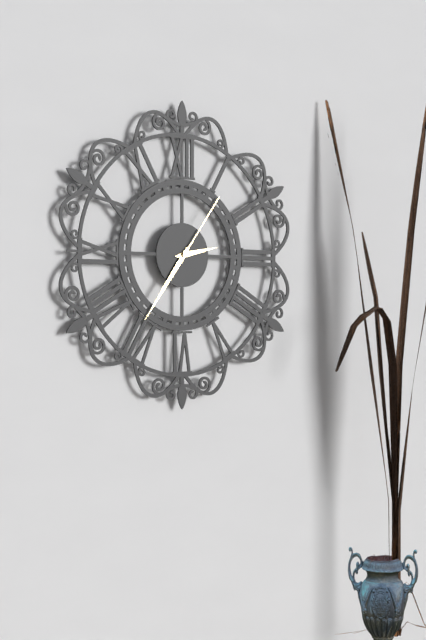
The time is 2:36:06
